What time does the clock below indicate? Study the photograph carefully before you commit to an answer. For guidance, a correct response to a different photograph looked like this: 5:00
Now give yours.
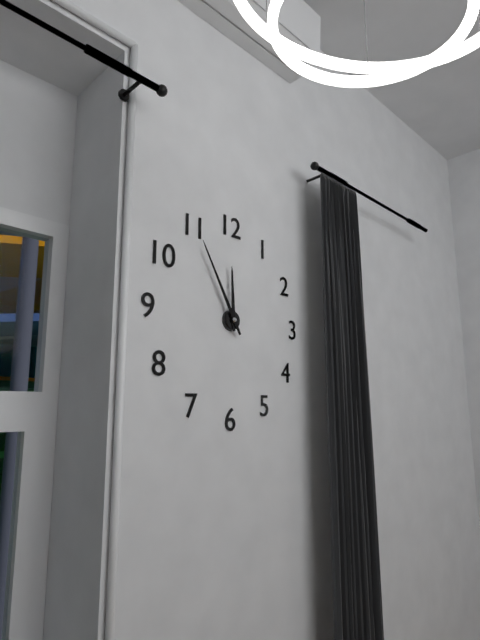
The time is 11:55
